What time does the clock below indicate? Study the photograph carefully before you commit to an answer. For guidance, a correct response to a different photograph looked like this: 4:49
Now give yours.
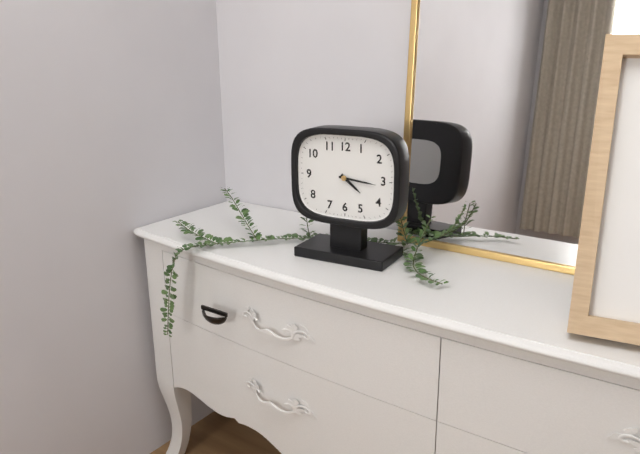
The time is 4:16
